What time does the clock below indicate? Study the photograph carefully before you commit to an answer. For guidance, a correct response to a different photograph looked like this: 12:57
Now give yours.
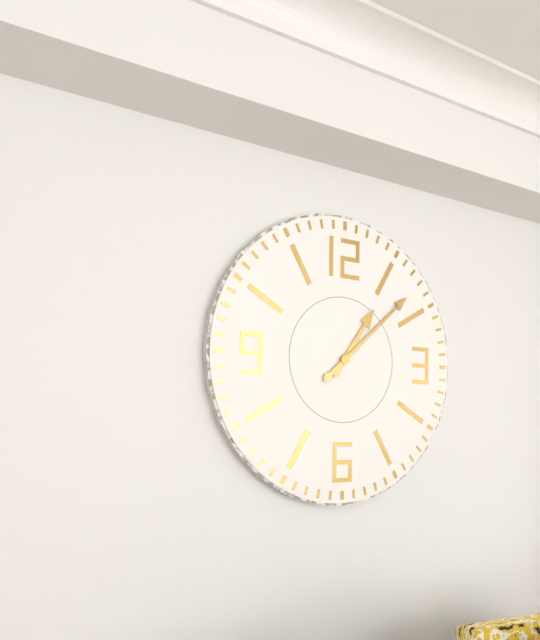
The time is 1:08
